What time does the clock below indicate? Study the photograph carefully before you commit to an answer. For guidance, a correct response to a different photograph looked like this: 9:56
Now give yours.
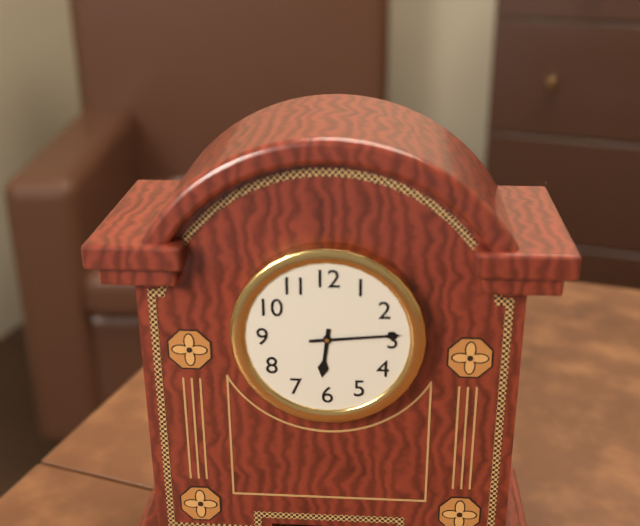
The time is 6:14
